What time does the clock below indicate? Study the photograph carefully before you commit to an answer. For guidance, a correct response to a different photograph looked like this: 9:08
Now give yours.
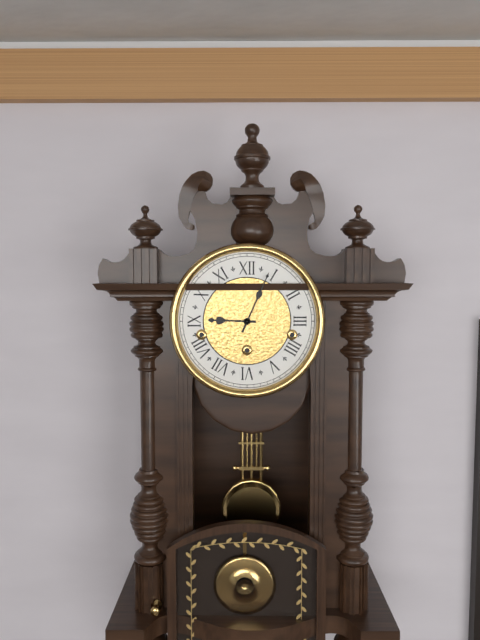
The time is 9:04
